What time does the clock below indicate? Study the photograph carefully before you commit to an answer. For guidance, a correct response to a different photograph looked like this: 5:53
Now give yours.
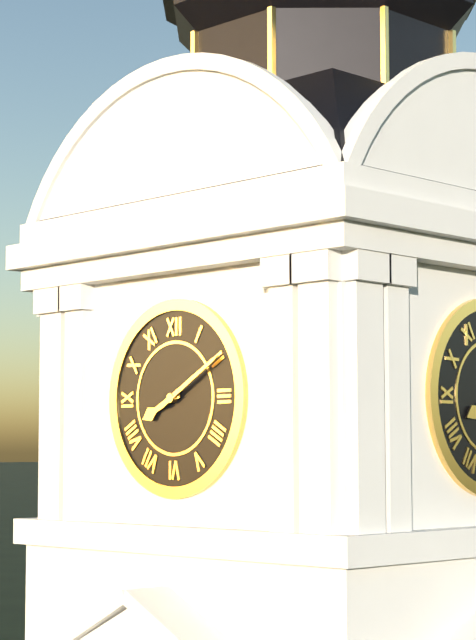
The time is 8:10
